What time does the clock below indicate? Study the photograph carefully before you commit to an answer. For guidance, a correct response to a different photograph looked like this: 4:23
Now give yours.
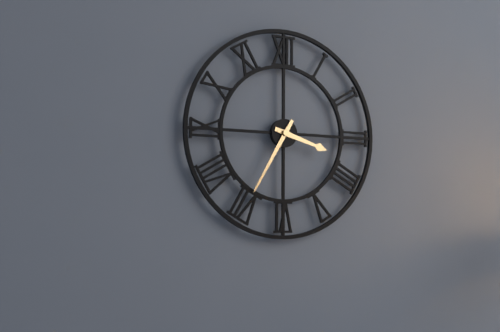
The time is 3:35
